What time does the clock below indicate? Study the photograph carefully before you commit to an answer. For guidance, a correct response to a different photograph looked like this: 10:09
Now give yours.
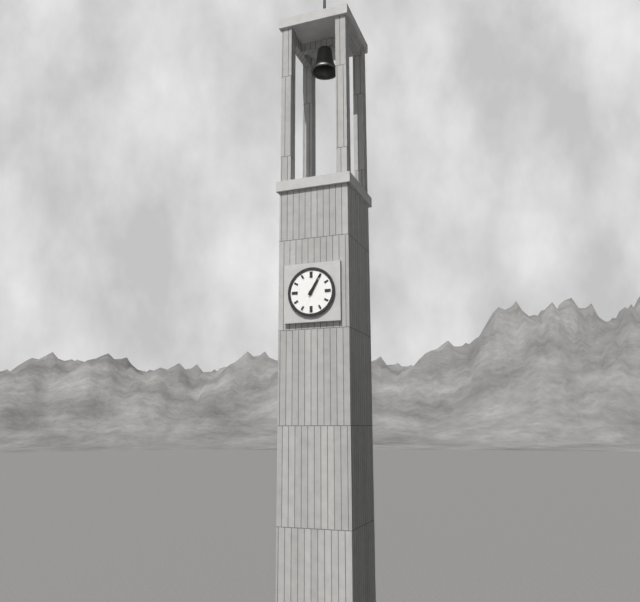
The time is 1:05
